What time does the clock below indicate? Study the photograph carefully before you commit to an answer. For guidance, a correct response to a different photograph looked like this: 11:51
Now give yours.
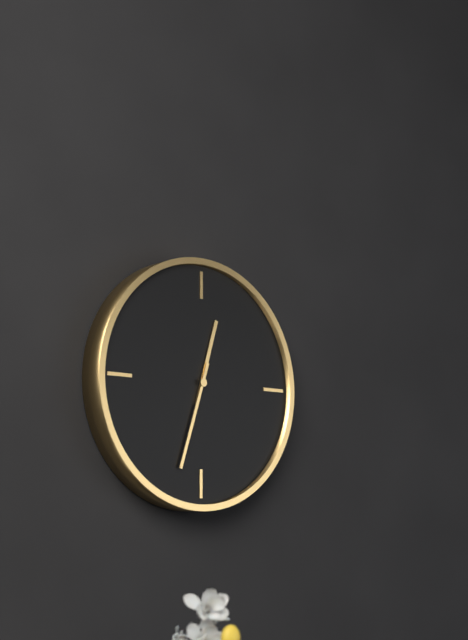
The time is 12:33
